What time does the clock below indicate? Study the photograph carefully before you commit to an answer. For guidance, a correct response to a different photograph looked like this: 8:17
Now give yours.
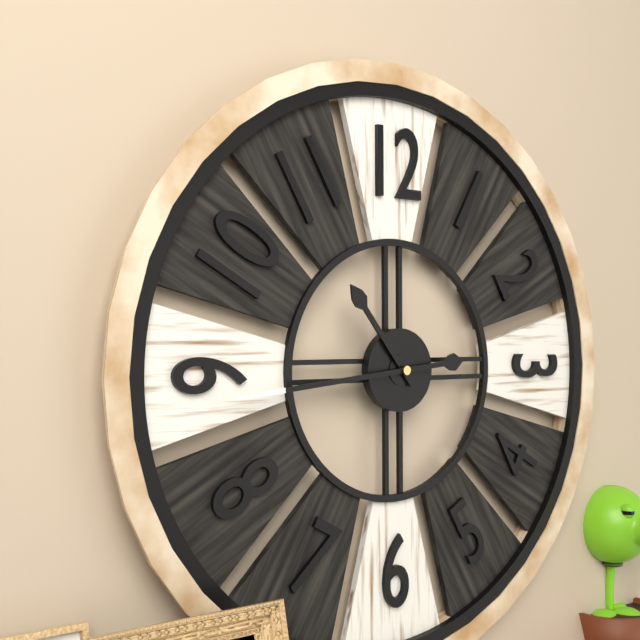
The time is 10:44
